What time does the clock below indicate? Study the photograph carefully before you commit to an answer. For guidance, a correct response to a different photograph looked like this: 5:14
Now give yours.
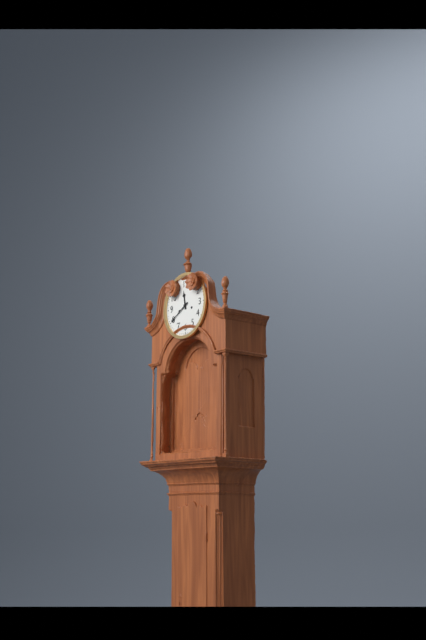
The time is 11:40
